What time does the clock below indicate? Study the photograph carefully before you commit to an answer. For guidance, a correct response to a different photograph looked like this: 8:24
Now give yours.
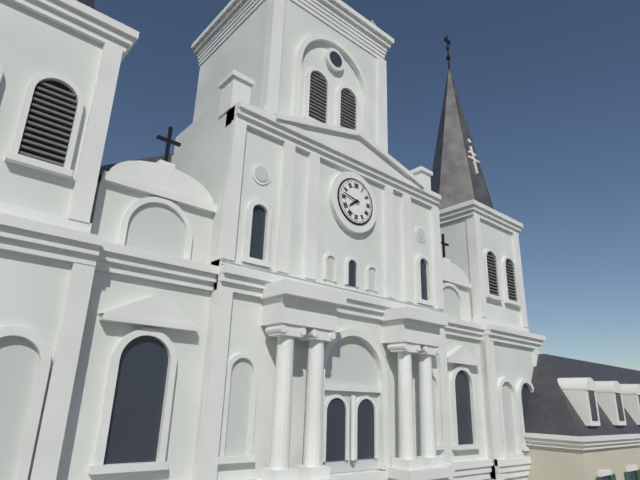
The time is 7:47
